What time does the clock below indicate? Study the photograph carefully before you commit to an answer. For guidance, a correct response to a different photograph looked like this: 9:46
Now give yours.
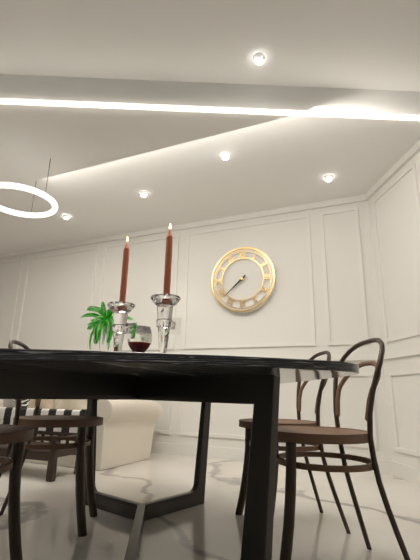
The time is 7:38
